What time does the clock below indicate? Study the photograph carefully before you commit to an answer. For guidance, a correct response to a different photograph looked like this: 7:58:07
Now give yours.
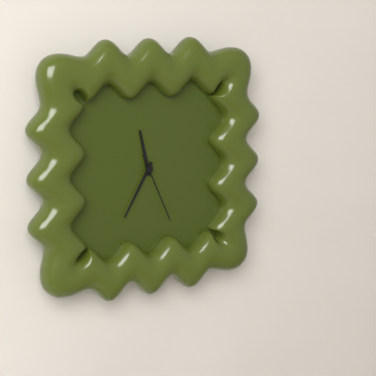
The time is 11:35:26
